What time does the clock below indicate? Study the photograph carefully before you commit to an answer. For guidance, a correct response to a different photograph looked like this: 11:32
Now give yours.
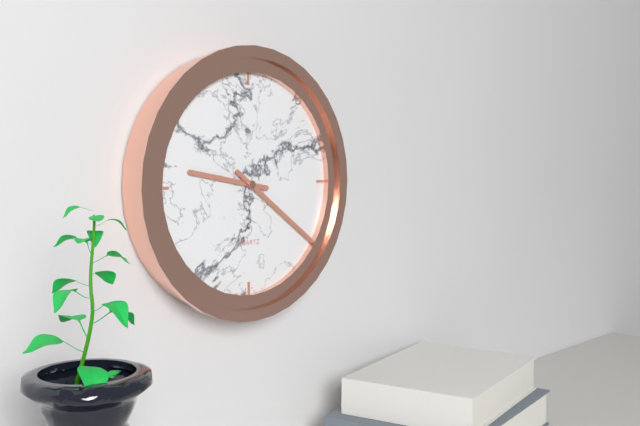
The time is 9:21
